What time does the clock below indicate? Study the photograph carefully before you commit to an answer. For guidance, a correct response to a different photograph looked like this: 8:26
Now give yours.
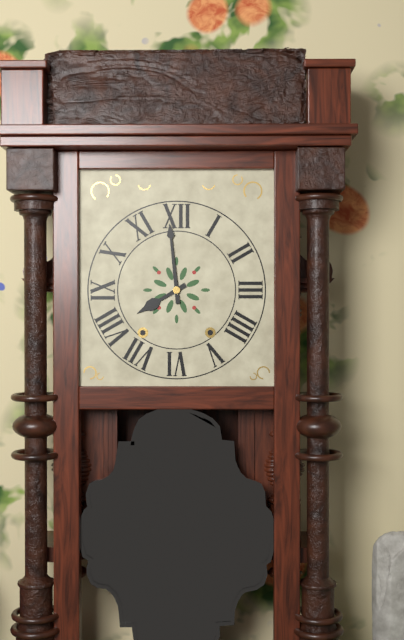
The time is 7:59
